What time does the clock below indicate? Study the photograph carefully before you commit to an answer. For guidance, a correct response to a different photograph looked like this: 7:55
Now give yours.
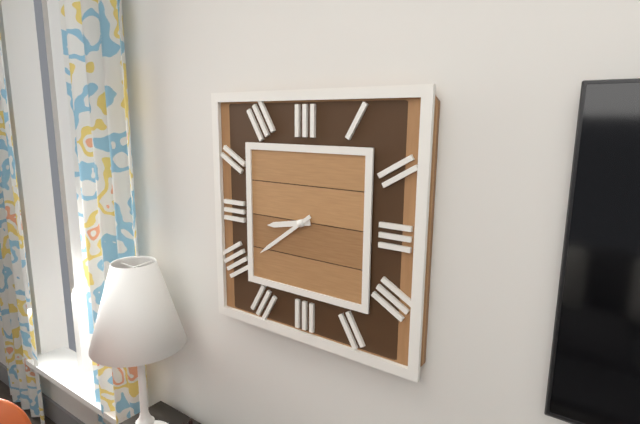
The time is 8:39
